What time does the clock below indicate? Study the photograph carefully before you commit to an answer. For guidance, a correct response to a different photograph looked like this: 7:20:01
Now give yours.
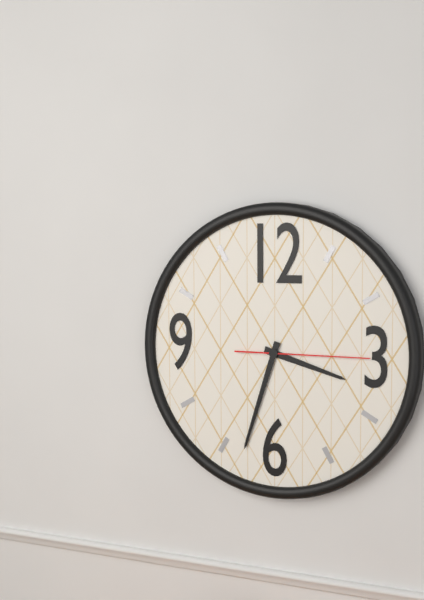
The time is 3:33:15
